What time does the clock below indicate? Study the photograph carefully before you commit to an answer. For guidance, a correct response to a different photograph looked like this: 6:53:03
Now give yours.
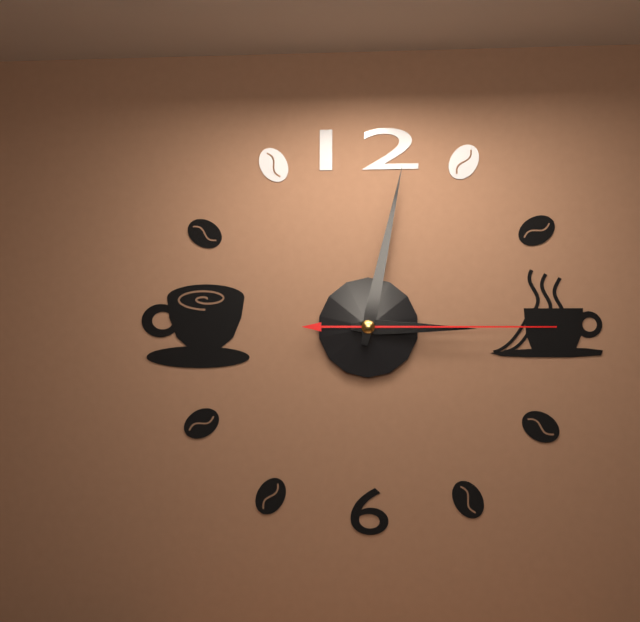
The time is 3:02:15
